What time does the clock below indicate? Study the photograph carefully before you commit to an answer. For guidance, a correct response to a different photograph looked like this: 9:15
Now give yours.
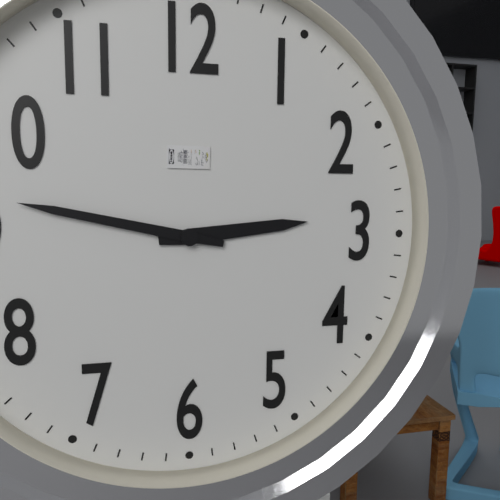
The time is 2:47
